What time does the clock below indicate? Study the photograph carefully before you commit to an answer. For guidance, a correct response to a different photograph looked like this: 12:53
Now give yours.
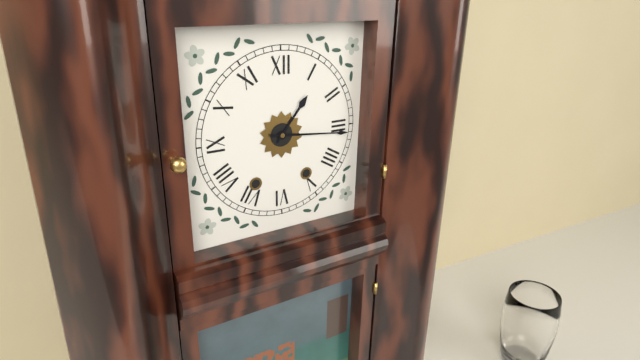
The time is 1:16
